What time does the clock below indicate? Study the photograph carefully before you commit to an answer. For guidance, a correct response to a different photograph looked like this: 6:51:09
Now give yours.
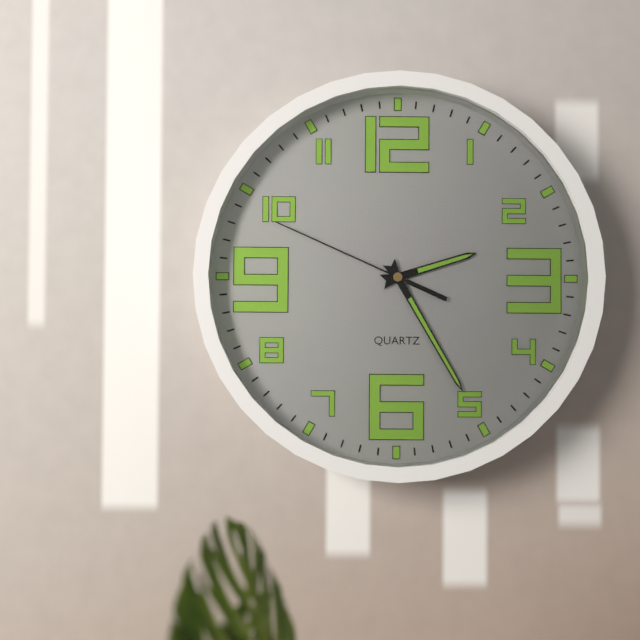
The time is 2:25:49
